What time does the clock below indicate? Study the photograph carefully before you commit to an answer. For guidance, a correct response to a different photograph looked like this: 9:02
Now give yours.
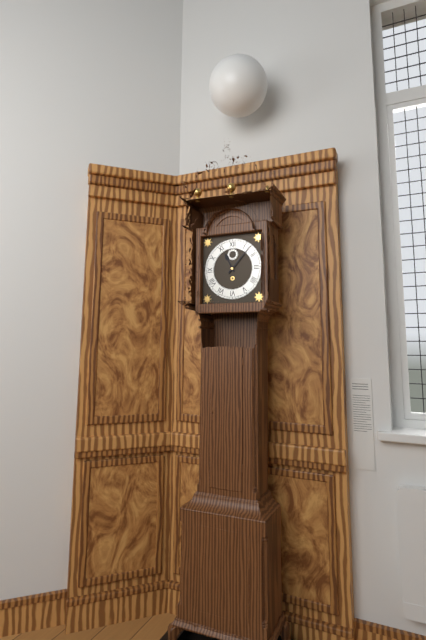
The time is 11:07
